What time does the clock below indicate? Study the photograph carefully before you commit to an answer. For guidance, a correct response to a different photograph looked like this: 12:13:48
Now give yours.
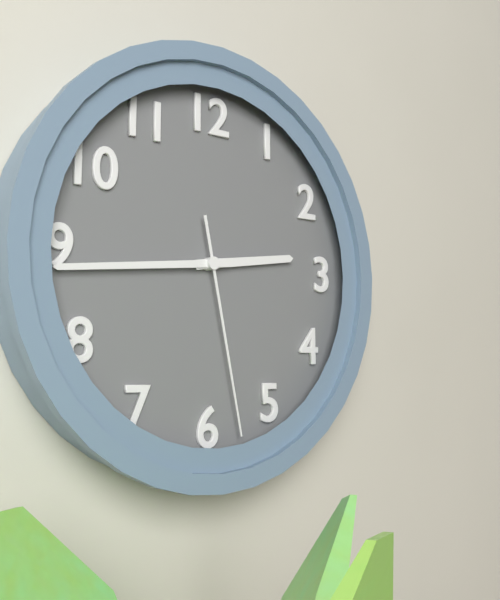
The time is 2:44:28
